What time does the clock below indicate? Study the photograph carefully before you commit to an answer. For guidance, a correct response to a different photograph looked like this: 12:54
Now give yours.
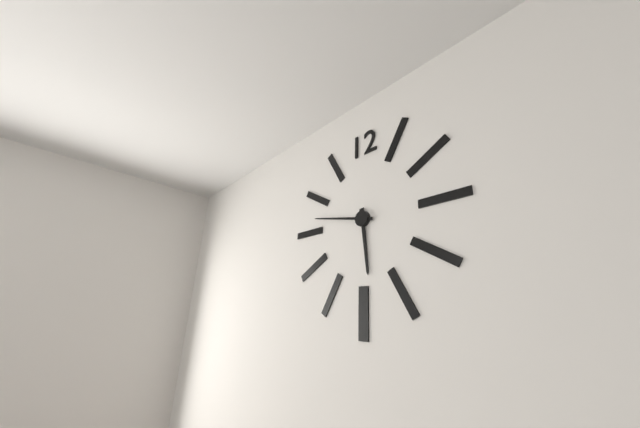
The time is 5:47
